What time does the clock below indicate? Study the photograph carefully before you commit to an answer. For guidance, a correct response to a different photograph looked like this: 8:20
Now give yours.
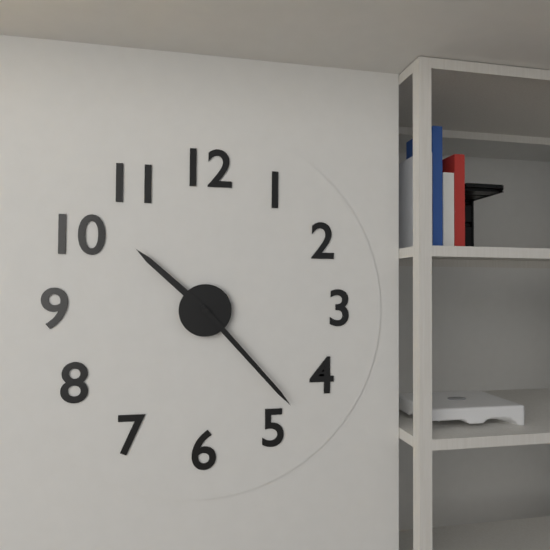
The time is 10:23
